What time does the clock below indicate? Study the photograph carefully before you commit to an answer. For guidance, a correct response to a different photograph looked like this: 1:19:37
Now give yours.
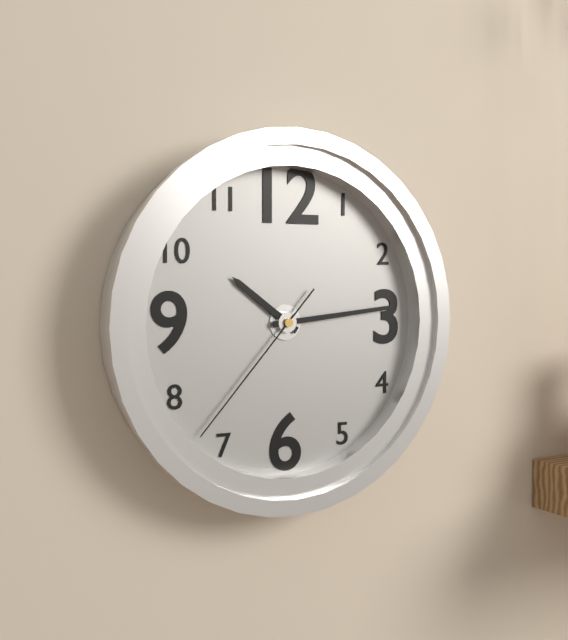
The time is 10:14:37
